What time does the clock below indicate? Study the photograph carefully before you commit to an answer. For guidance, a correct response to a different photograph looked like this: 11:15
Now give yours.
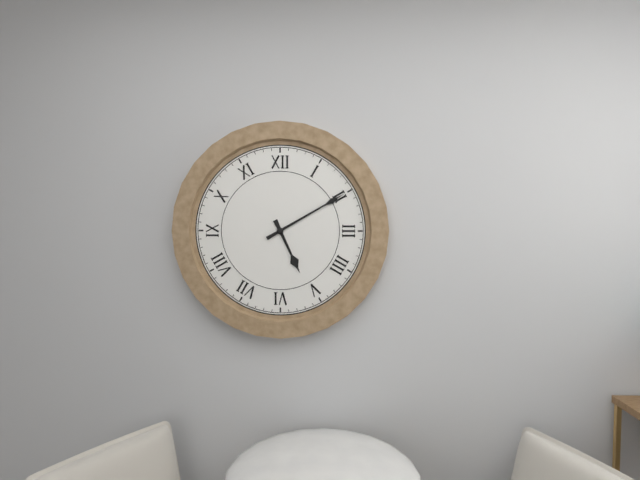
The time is 5:10
